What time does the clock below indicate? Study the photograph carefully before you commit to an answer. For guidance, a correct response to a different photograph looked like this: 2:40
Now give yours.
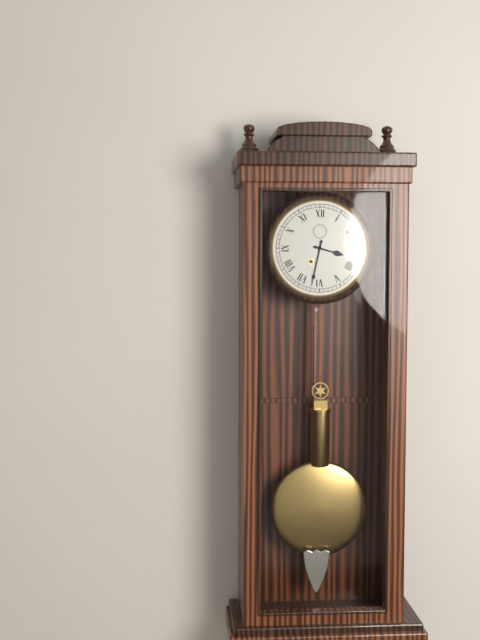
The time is 3:32
